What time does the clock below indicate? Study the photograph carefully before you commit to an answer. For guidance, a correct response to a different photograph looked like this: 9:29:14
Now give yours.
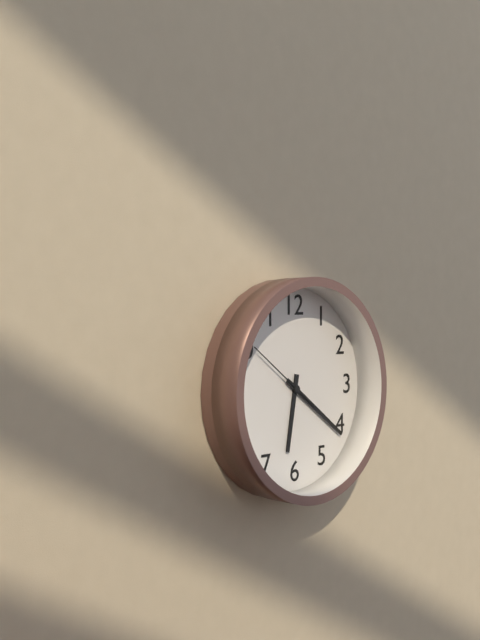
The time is 6:21:51
